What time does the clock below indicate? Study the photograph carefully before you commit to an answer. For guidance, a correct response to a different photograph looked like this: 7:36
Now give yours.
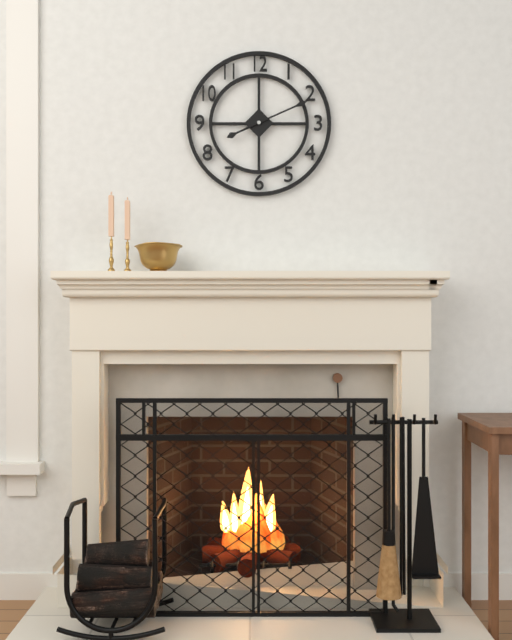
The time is 8:11
